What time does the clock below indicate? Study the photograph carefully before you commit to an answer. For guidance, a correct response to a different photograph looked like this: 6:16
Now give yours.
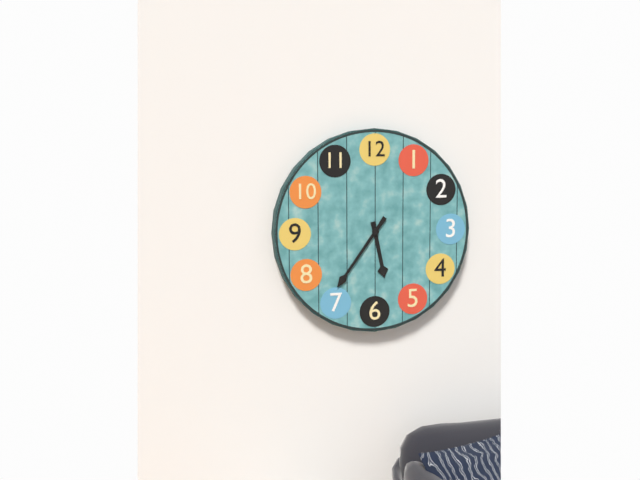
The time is 5:36
